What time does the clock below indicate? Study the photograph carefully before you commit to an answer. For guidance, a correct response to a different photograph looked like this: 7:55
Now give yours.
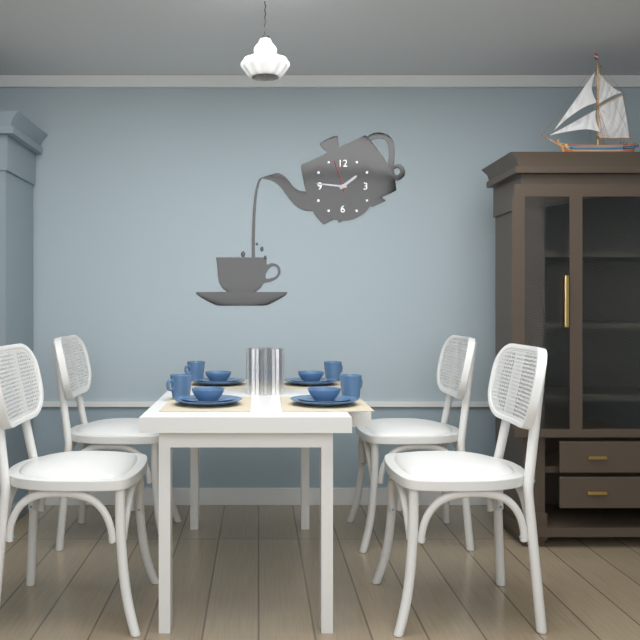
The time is 1:46
